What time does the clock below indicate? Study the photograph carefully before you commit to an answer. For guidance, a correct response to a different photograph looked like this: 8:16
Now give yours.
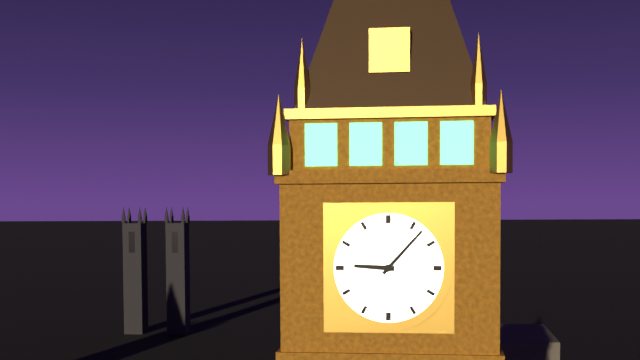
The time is 9:07
